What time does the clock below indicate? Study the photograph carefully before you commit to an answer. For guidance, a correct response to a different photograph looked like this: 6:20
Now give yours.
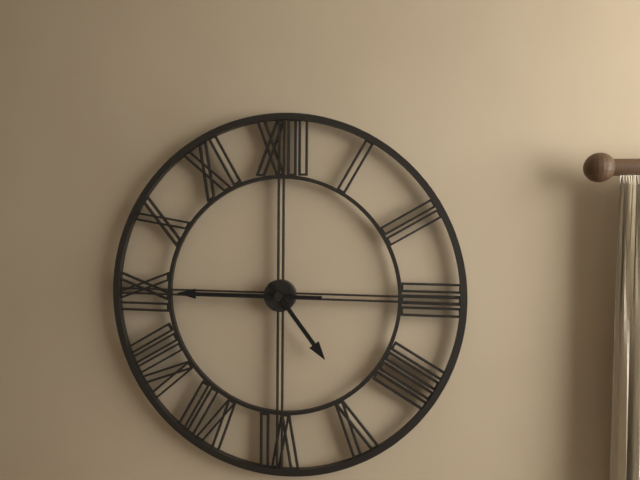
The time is 4:45
